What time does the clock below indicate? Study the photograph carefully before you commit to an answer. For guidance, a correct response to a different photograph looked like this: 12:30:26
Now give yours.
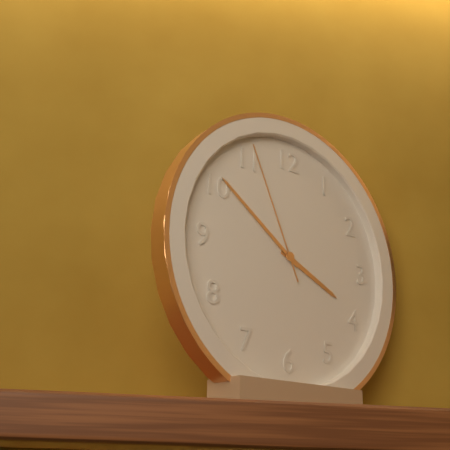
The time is 3:51:56
